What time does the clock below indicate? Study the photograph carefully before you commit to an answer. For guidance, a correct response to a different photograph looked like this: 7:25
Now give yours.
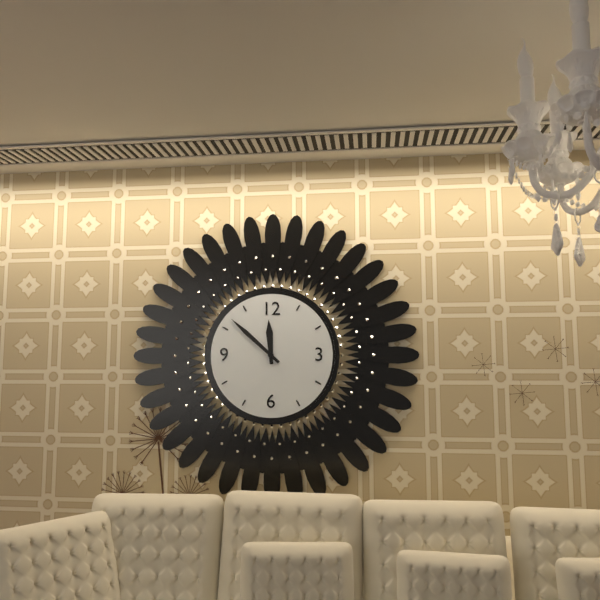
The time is 11:52
